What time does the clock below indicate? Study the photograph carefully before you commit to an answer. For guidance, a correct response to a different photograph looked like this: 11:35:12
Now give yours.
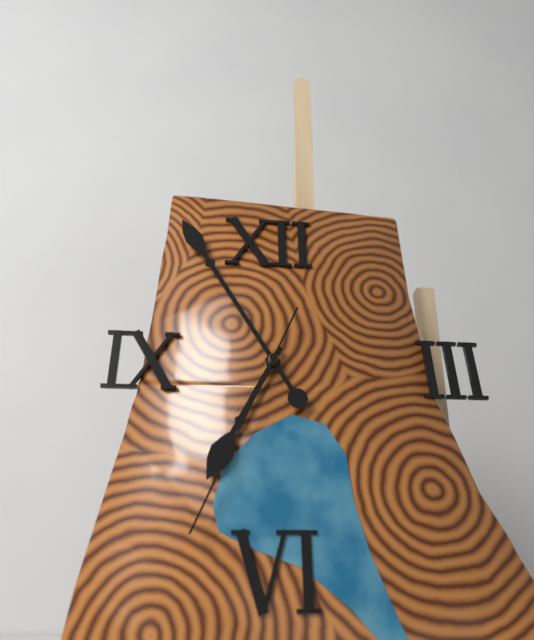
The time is 6:55:34
